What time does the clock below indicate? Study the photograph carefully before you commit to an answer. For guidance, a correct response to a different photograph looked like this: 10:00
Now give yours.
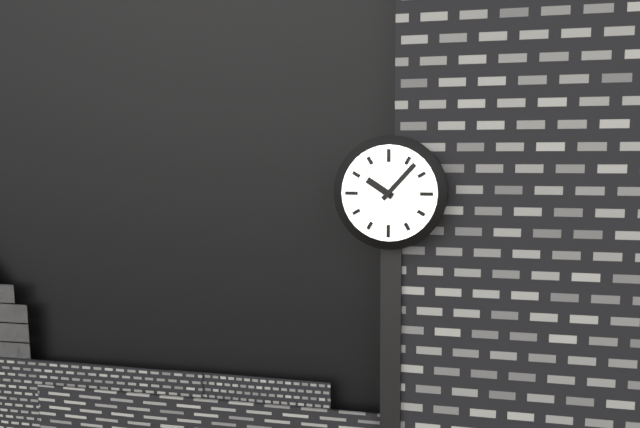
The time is 10:07
